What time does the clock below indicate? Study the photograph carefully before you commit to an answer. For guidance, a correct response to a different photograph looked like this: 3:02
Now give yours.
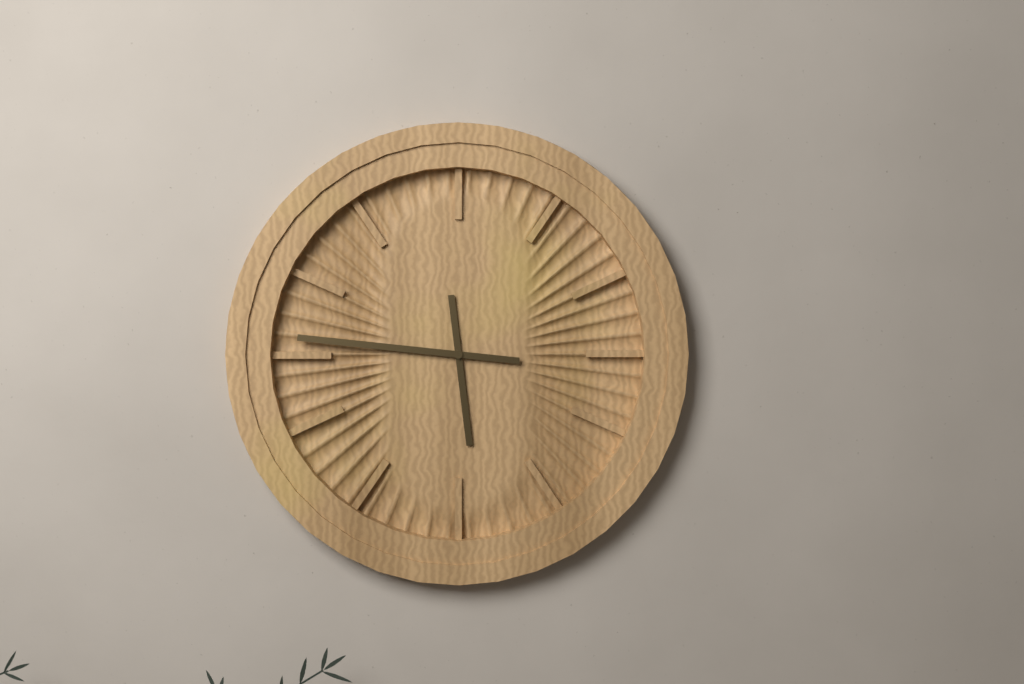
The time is 5:46
